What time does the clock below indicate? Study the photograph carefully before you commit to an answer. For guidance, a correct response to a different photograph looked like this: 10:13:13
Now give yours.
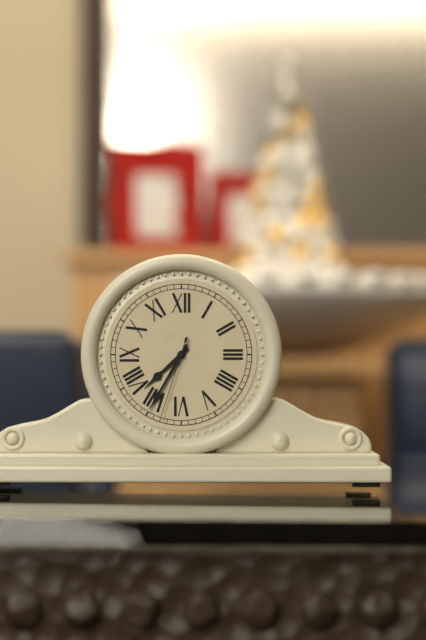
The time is 7:35:33
